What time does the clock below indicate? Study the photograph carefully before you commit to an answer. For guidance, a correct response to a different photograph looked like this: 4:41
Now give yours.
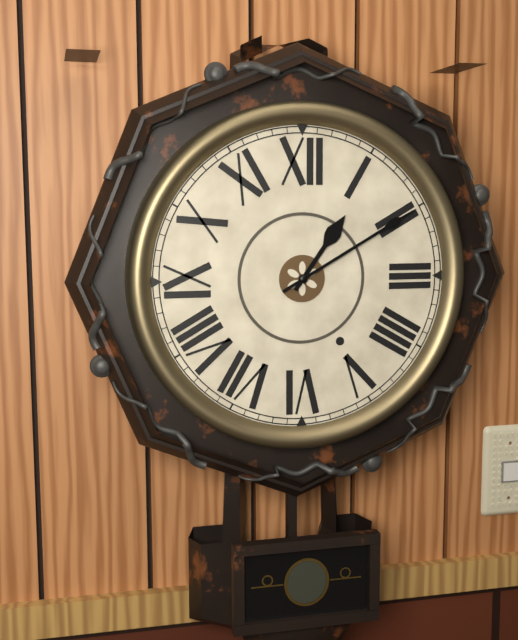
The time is 1:10
